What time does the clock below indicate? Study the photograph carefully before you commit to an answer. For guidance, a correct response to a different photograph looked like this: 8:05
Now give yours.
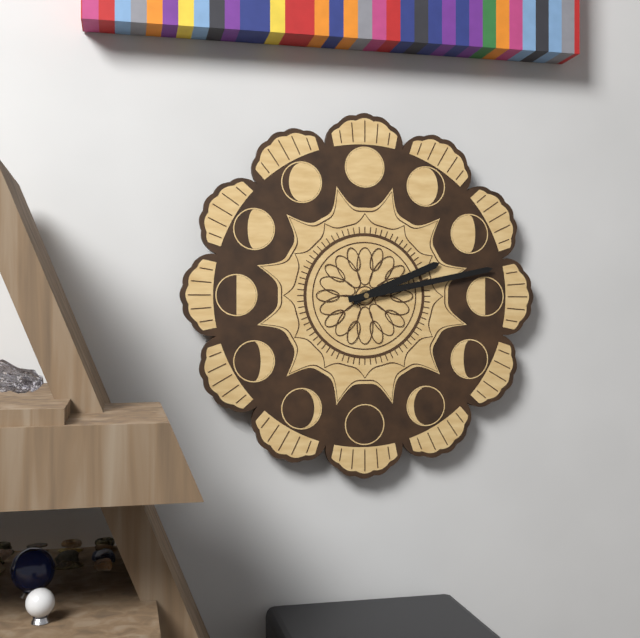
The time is 2:13
